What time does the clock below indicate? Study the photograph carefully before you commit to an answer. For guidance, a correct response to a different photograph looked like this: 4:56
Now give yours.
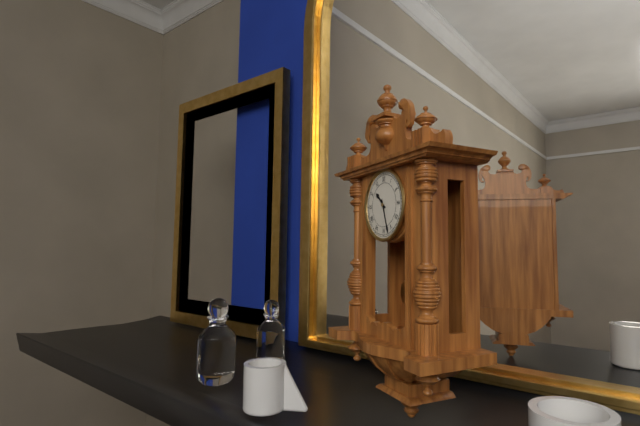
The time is 10:27
